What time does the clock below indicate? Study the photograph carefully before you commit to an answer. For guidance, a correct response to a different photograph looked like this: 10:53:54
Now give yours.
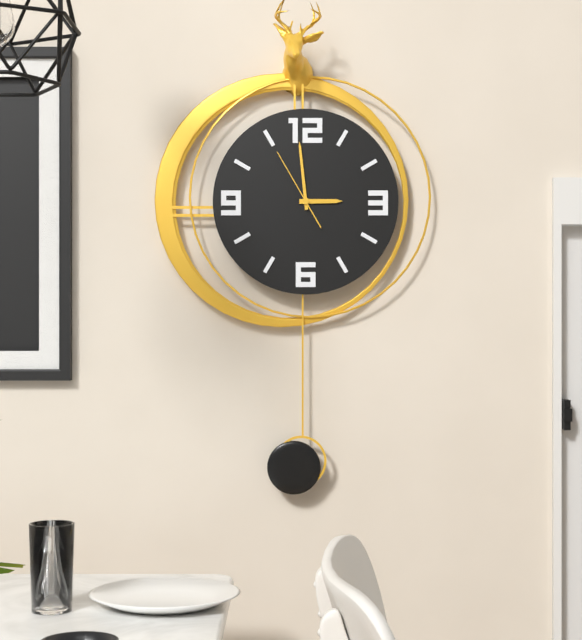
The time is 2:59:55
